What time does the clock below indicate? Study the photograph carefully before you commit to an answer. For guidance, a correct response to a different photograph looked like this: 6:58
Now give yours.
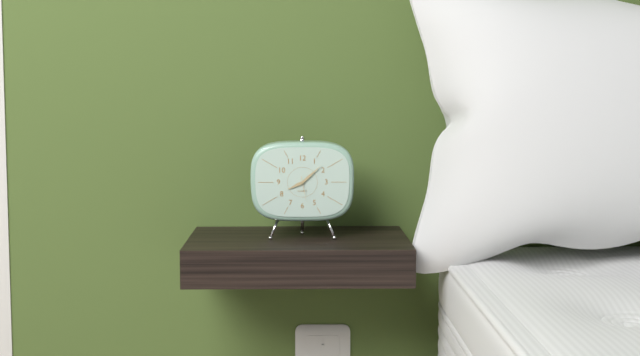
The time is 8:08
